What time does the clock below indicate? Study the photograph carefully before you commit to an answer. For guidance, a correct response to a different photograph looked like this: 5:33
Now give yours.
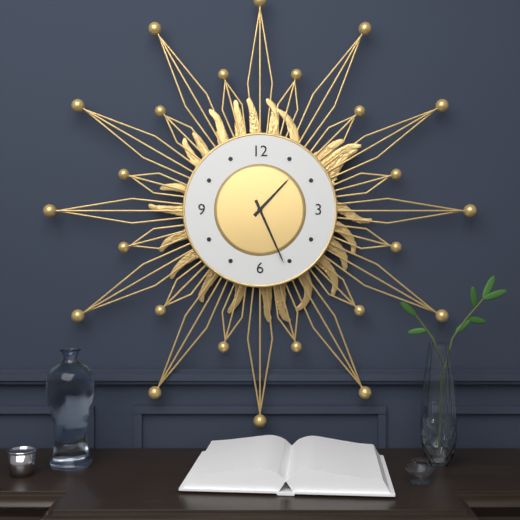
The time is 1:26
